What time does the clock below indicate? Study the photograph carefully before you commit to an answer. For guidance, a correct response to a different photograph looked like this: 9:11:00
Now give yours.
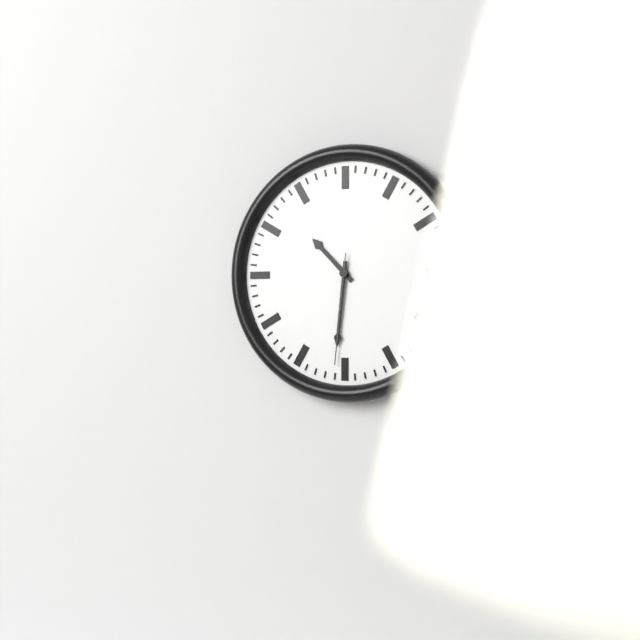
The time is 10:31:31
